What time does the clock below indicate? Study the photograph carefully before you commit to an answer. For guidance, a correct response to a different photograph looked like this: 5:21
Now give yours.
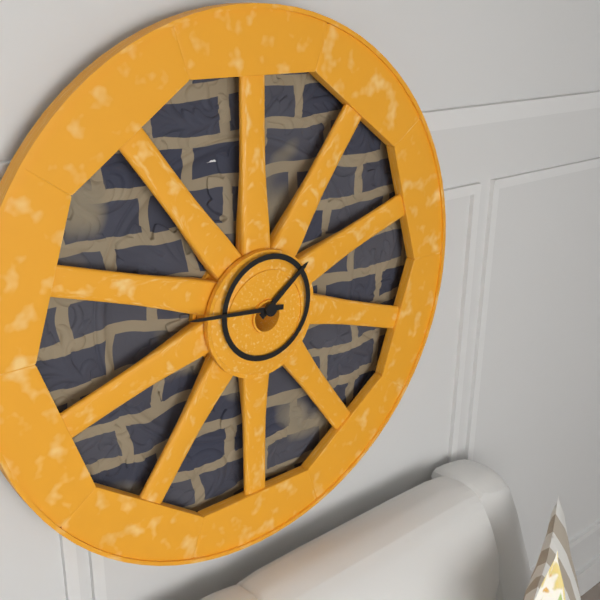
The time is 1:46
